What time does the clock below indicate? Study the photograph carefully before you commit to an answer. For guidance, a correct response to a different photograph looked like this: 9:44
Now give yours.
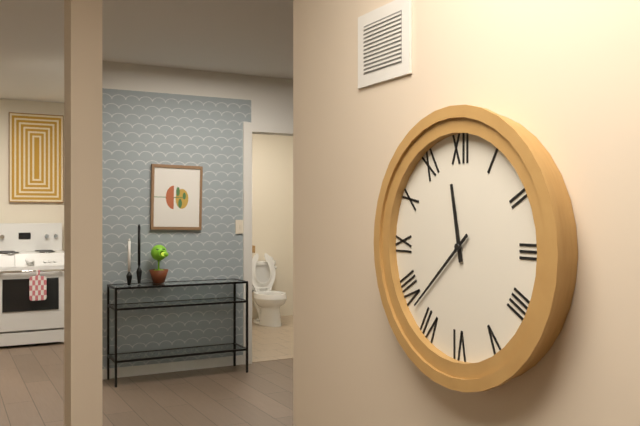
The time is 11:38
